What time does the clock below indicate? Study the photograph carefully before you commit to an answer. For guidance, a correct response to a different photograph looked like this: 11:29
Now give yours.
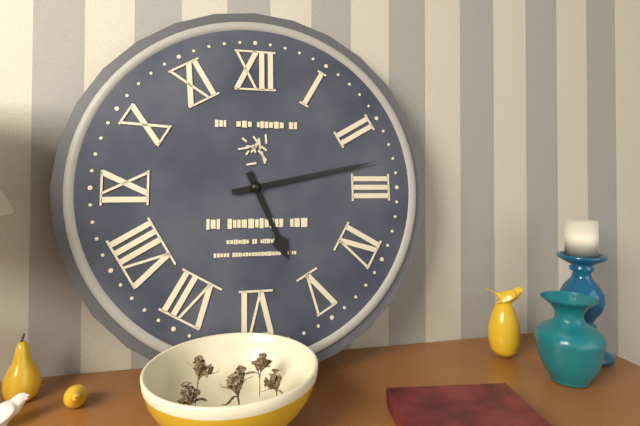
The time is 5:13
